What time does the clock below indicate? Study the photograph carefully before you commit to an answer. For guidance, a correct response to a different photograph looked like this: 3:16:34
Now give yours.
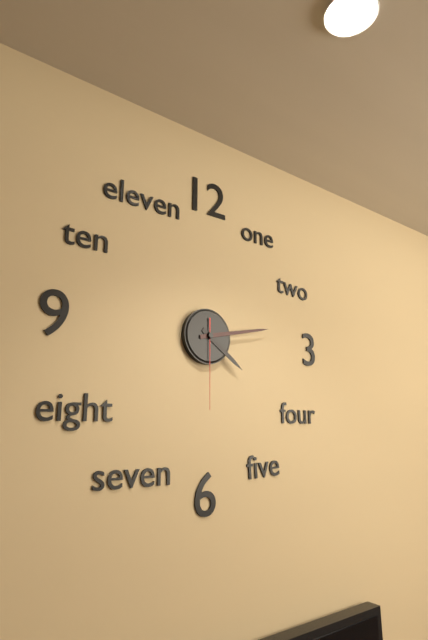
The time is 4:13:30
